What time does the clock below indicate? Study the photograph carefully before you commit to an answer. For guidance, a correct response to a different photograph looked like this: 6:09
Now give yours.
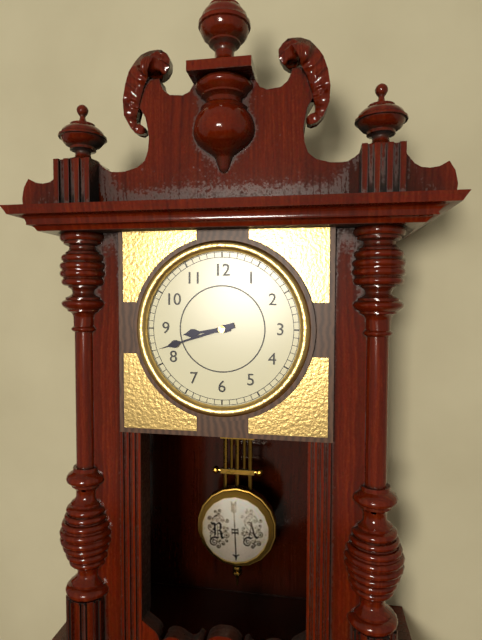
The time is 8:42
